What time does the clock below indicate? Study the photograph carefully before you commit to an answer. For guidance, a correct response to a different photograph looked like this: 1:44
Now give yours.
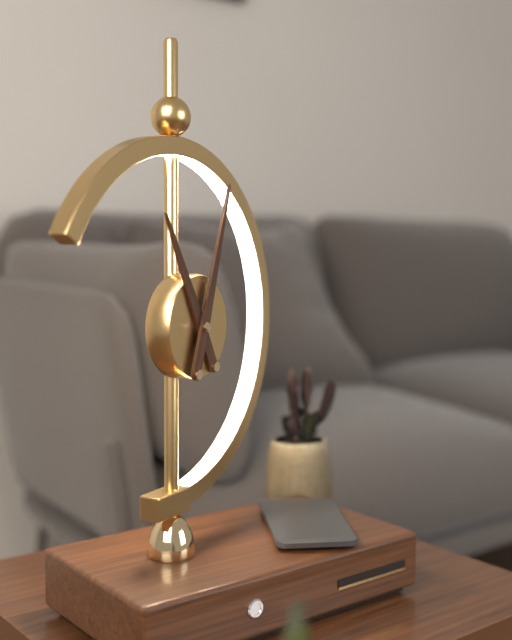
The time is 11:03
